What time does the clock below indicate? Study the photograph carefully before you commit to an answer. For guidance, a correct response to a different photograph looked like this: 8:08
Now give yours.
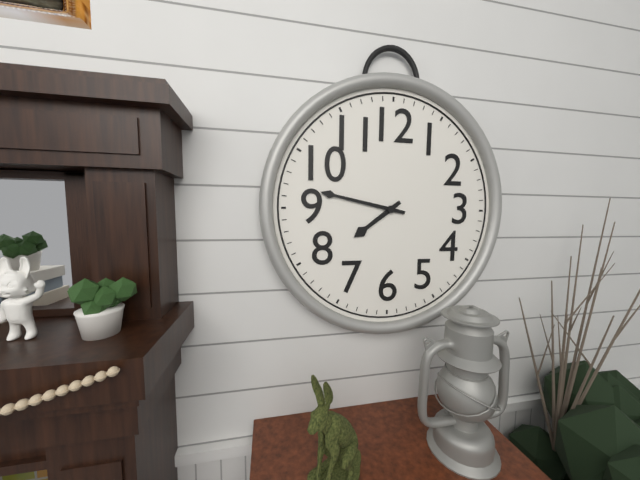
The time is 7:47
